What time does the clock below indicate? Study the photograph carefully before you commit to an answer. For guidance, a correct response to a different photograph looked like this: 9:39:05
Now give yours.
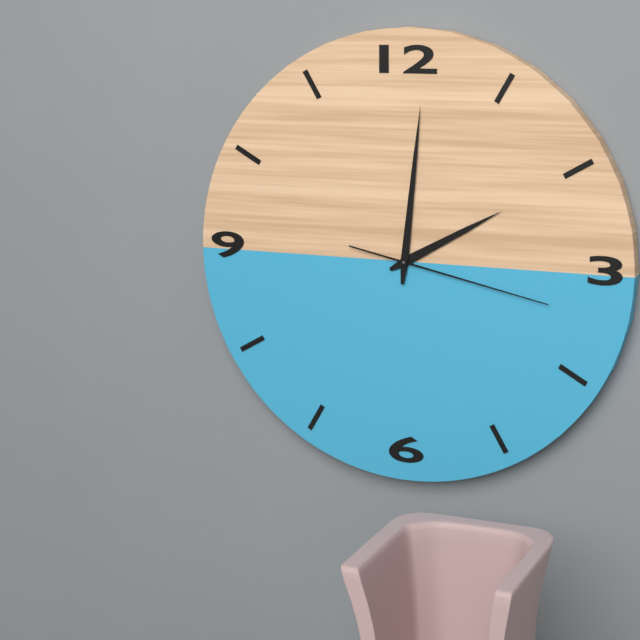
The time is 2:01:17
